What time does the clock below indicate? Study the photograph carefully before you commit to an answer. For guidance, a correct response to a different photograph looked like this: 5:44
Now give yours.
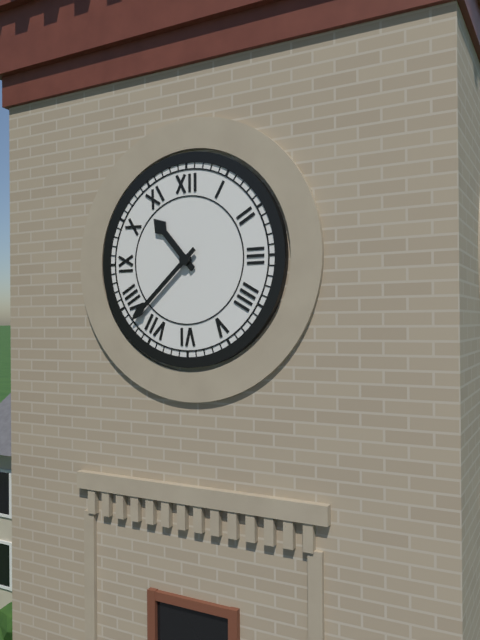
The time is 10:38
